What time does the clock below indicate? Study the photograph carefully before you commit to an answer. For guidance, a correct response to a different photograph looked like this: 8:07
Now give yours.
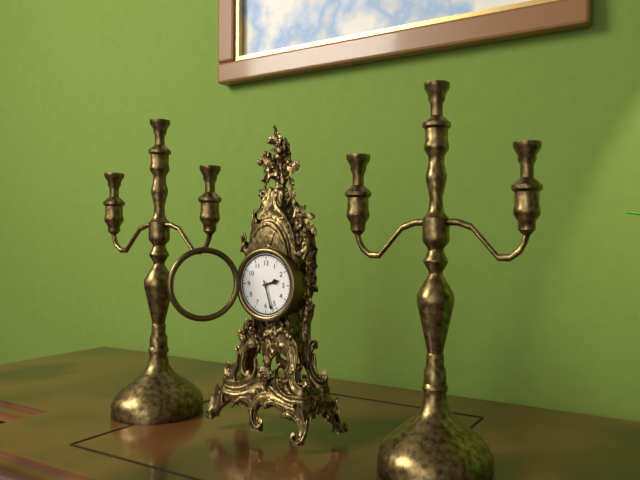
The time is 2:27
